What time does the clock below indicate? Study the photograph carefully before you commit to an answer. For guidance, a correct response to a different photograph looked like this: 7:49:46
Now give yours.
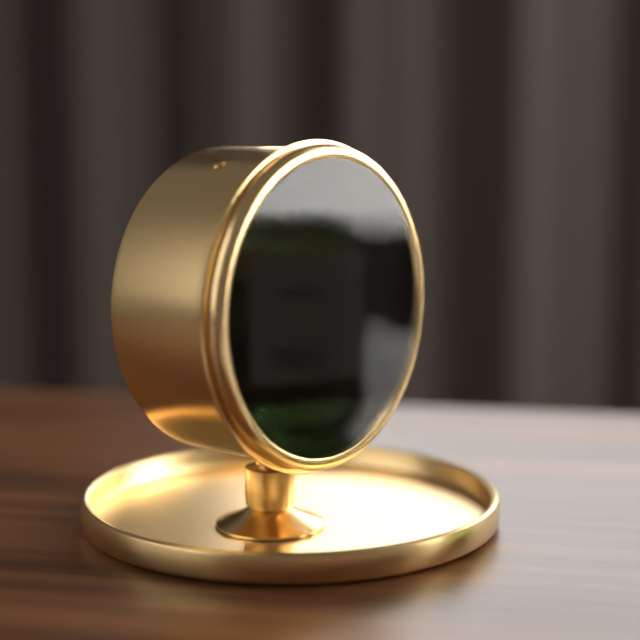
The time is 9:31:06
